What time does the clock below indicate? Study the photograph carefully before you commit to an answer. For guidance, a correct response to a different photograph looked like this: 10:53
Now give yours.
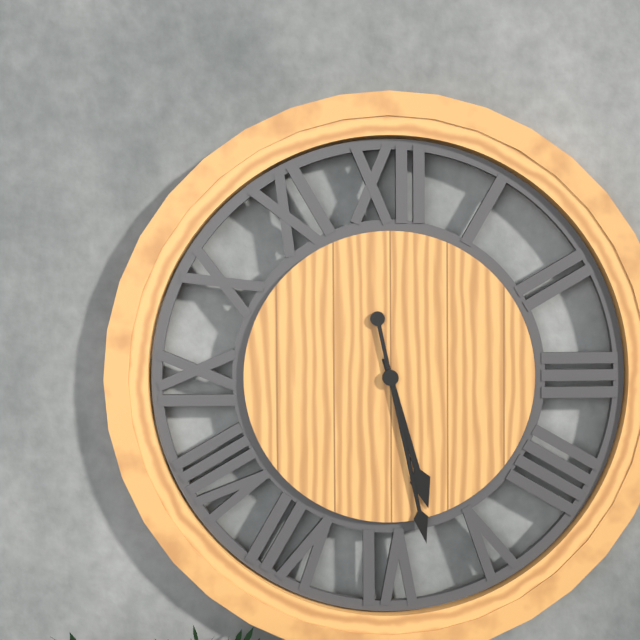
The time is 5:28
